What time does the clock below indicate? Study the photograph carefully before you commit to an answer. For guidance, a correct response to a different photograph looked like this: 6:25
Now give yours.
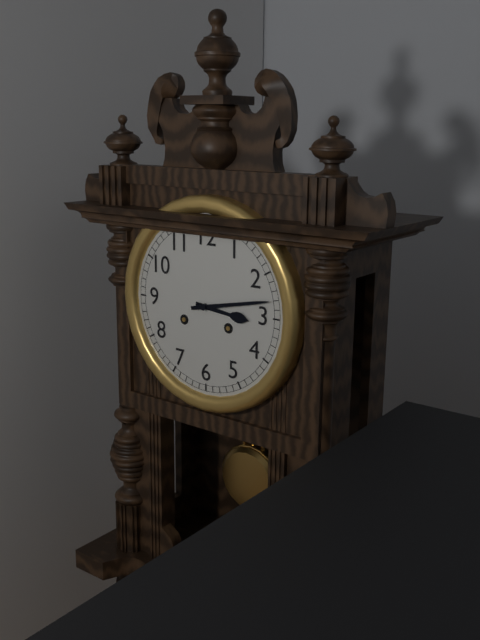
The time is 3:13
